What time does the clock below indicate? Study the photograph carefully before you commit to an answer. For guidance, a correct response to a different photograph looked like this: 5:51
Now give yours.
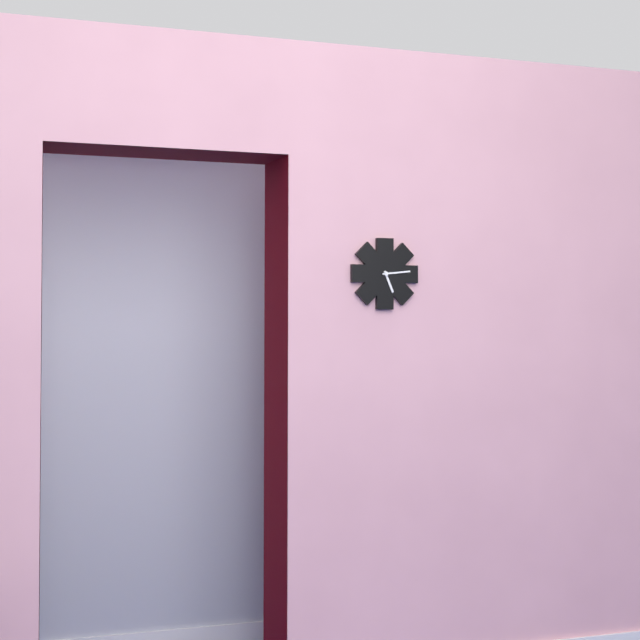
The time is 5:14
